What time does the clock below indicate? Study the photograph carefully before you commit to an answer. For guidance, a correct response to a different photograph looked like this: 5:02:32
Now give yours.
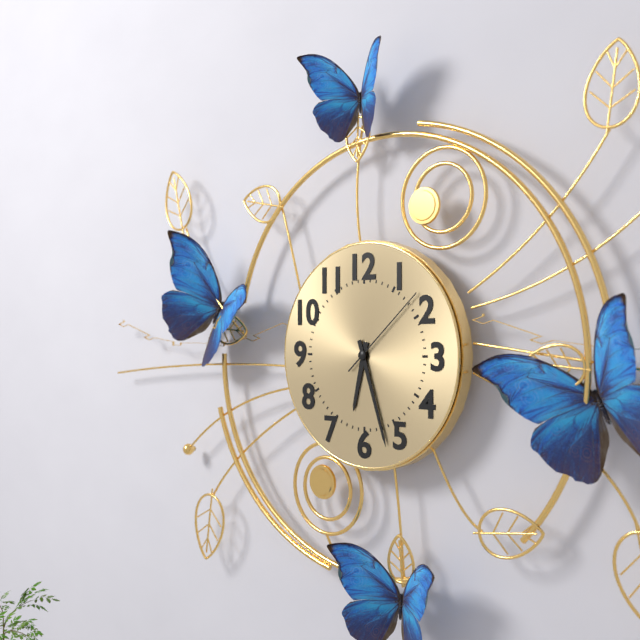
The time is 6:27:08
